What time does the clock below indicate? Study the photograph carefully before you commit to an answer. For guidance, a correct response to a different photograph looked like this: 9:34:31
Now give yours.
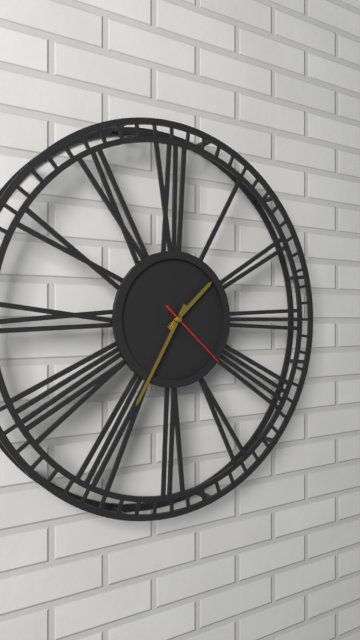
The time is 1:35:22
